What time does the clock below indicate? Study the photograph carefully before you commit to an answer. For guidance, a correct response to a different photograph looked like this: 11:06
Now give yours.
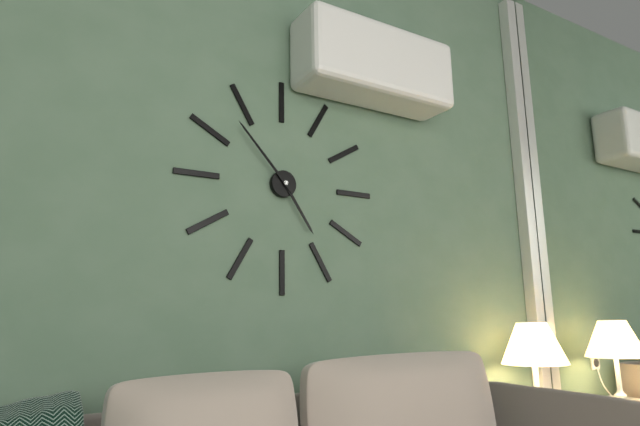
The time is 4:53
